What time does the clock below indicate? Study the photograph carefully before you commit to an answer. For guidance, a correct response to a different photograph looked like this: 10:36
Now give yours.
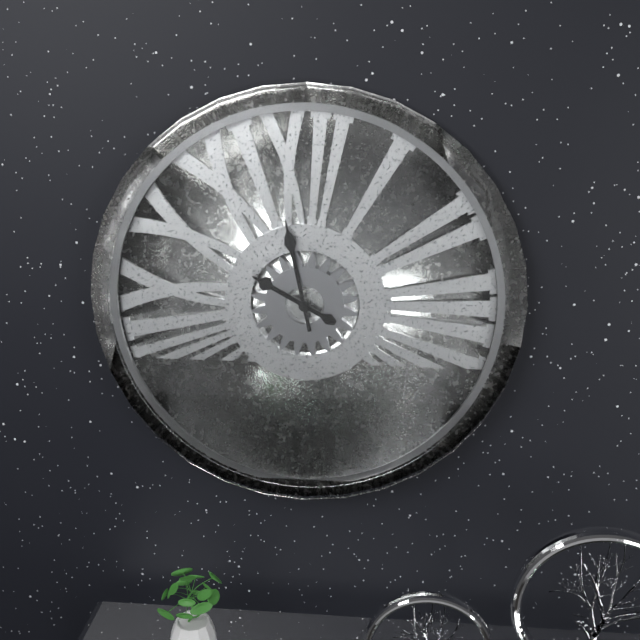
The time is 9:58
